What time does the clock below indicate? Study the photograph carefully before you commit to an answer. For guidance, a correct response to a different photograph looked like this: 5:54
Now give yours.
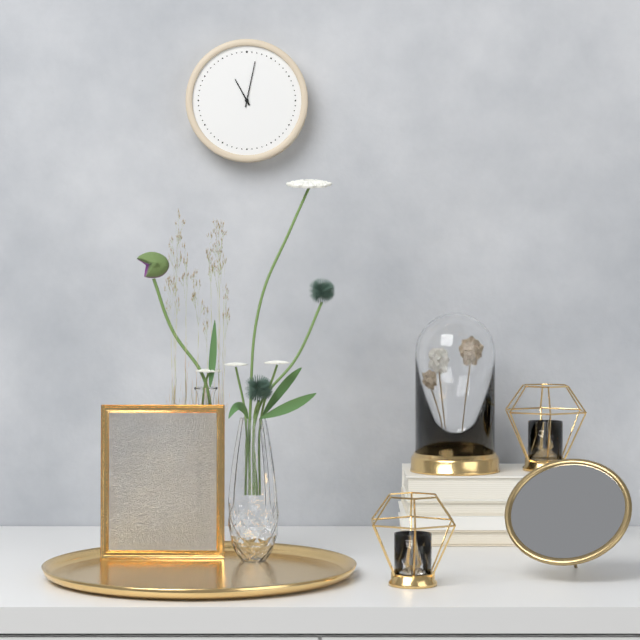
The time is 11:02
